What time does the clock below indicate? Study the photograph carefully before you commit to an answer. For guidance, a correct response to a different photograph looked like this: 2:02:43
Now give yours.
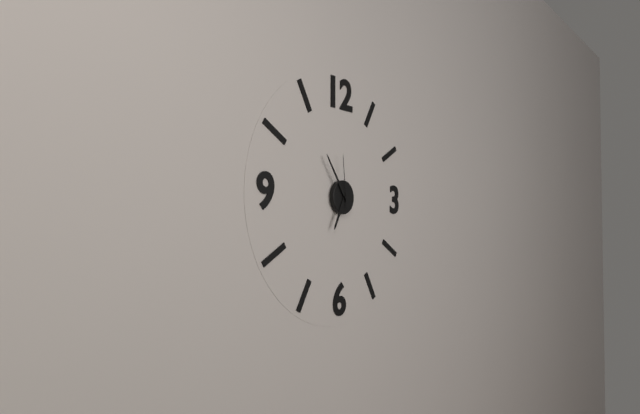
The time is 6:54:59
